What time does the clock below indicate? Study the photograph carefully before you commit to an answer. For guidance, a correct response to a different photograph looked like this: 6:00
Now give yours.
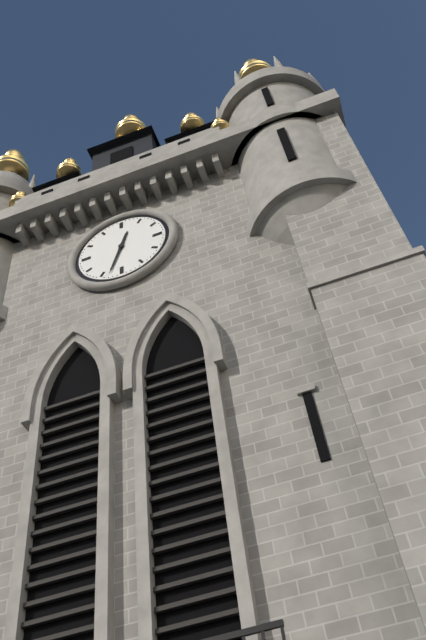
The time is 12:33
